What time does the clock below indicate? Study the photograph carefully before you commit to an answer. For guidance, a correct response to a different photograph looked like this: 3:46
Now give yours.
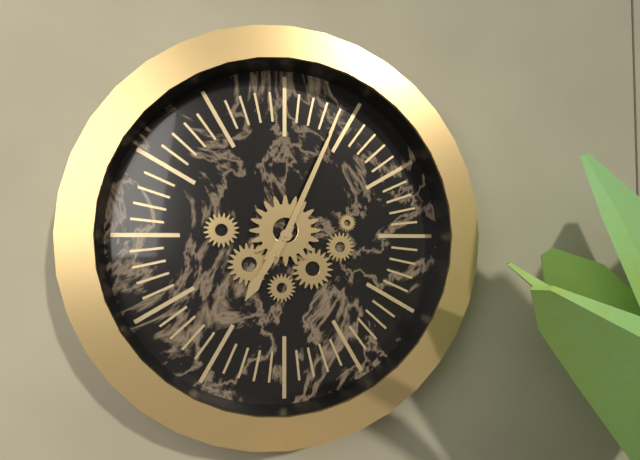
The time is 7:04
